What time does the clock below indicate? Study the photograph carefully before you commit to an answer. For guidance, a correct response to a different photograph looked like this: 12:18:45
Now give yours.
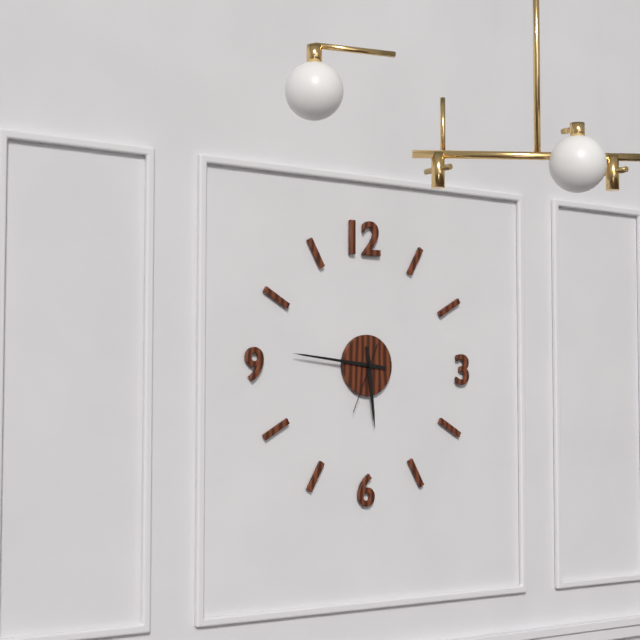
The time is 5:46:34
